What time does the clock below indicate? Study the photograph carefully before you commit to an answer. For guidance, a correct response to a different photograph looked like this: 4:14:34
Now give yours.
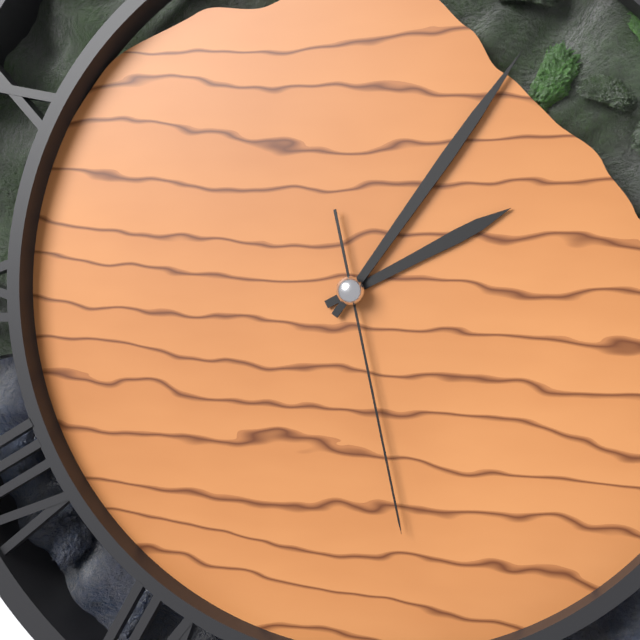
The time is 2:06:28
